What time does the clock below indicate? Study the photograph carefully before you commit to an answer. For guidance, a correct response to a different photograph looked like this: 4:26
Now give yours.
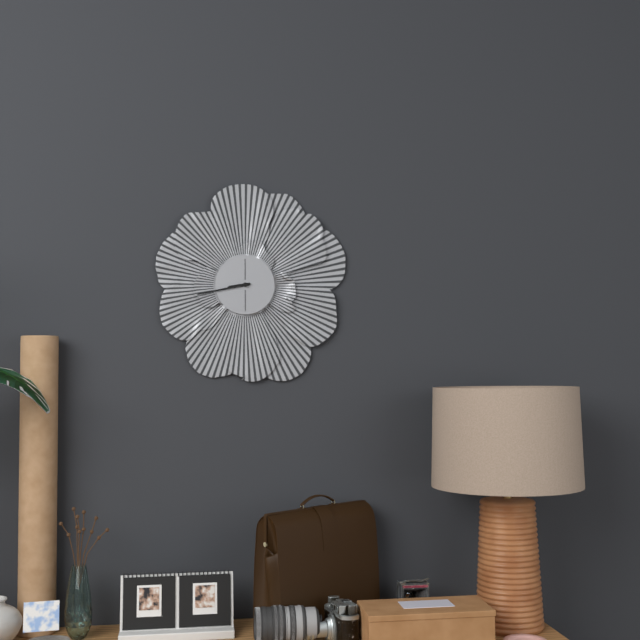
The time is 8:43
